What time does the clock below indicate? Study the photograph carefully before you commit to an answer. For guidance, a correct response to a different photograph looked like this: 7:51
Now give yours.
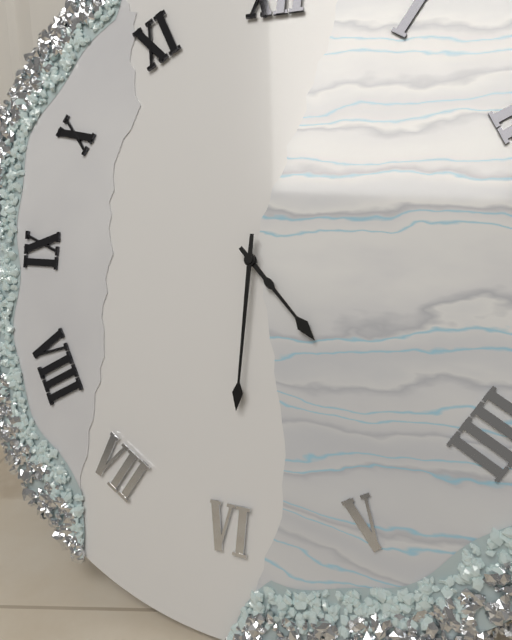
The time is 4:30
